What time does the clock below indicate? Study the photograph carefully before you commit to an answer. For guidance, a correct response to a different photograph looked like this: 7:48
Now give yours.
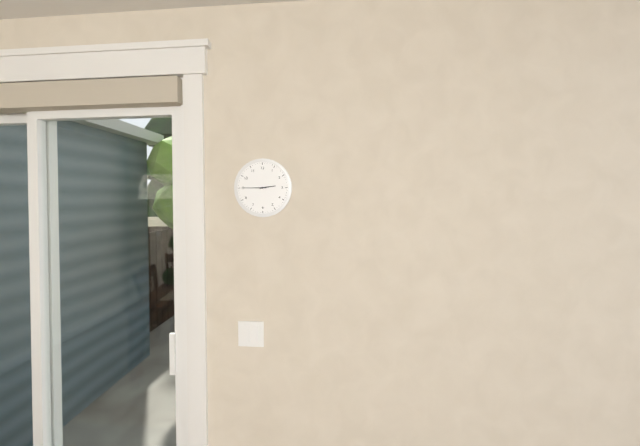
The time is 2:45
